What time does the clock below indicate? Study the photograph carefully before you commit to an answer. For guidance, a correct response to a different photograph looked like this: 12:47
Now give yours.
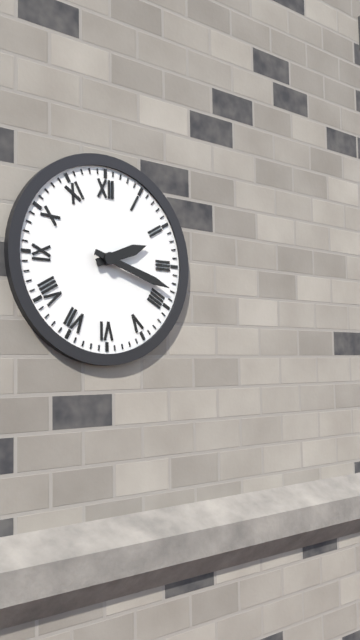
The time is 2:18
